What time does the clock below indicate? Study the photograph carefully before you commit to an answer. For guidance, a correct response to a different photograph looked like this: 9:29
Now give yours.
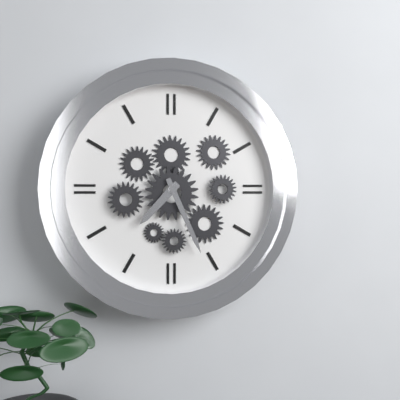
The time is 7:26
